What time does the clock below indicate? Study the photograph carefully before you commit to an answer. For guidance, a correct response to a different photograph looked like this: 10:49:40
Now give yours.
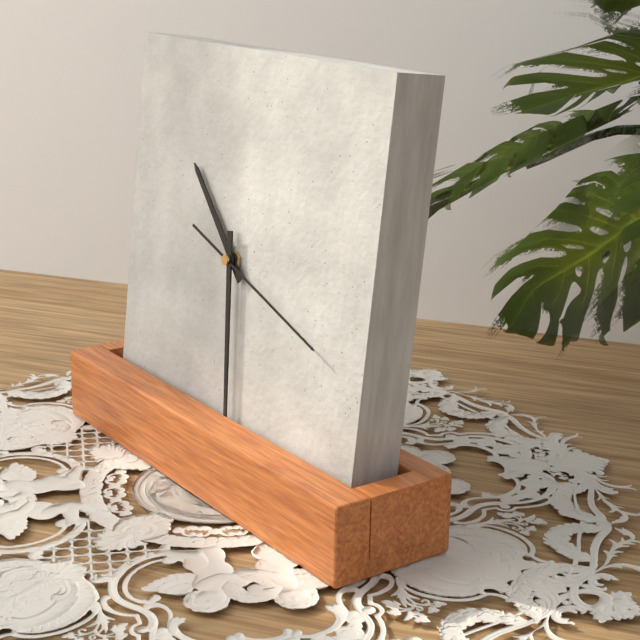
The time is 10:29:18
